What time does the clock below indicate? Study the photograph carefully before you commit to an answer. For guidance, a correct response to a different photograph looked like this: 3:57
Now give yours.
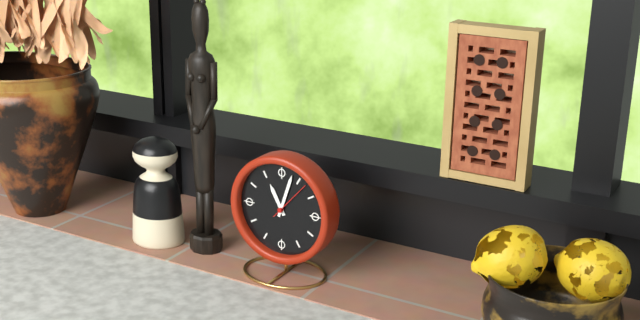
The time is 11:03
